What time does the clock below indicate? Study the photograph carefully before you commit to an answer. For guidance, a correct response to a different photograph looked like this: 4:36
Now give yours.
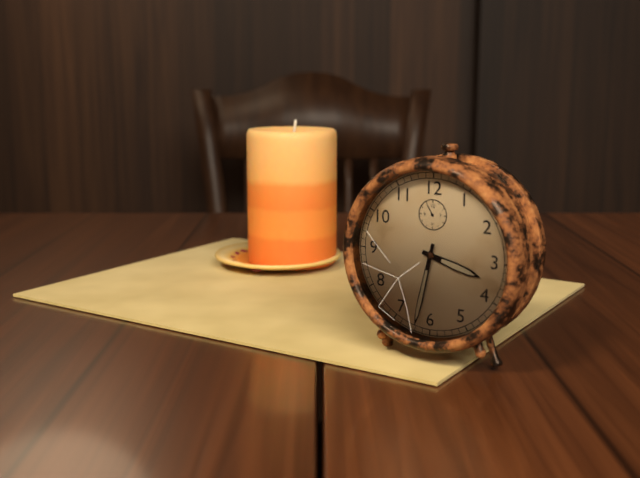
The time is 3:32
